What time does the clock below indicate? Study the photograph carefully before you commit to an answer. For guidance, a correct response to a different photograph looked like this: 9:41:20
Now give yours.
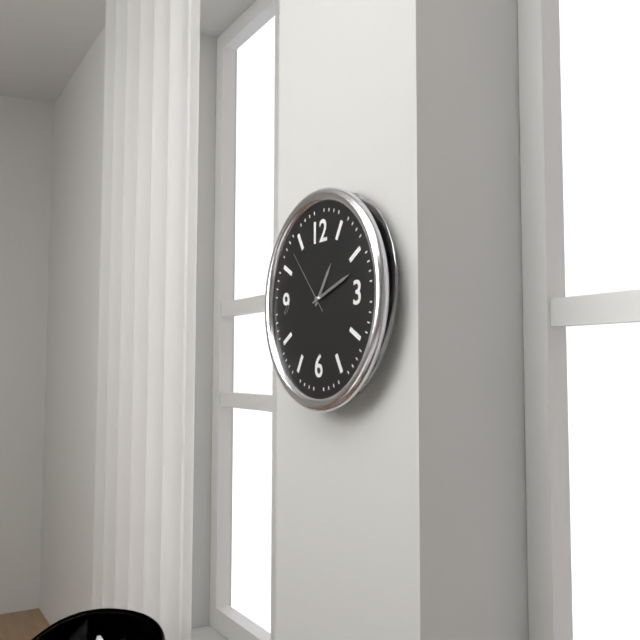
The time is 1:12:53
